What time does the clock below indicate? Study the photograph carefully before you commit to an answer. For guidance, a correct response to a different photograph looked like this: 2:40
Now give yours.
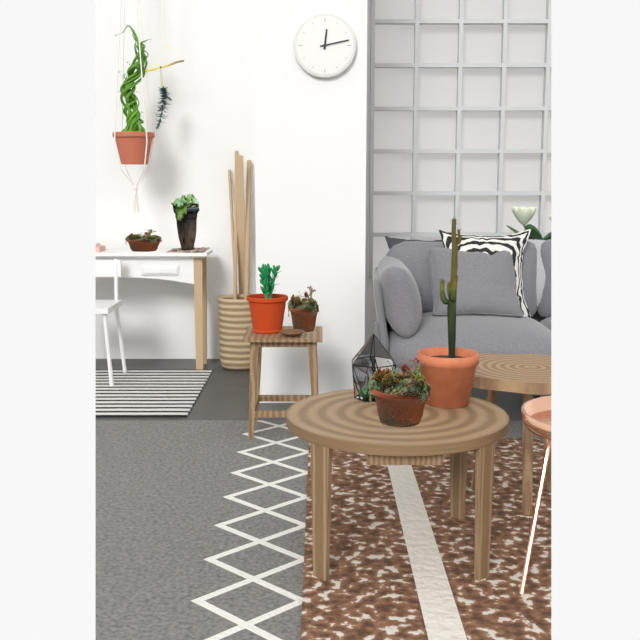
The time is 12:13
